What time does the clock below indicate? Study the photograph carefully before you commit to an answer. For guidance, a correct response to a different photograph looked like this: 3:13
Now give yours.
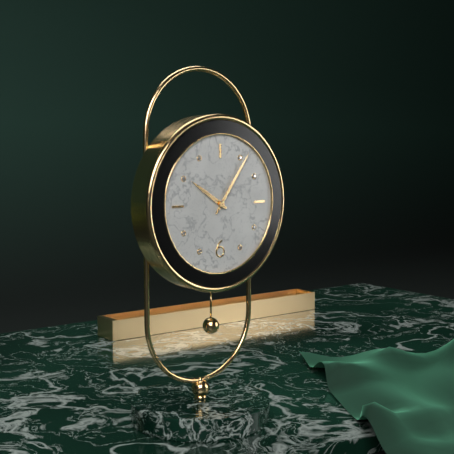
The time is 10:06
